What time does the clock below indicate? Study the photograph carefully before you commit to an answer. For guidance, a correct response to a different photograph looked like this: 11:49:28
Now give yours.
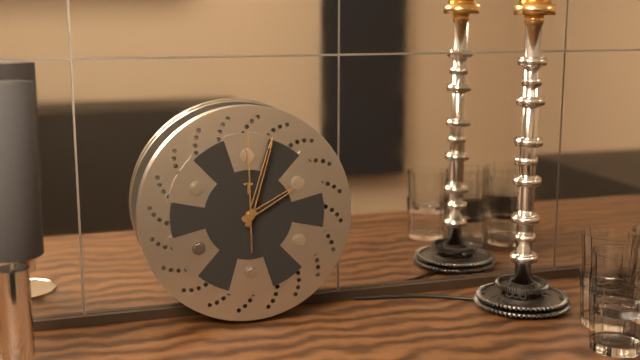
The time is 2:03:00
